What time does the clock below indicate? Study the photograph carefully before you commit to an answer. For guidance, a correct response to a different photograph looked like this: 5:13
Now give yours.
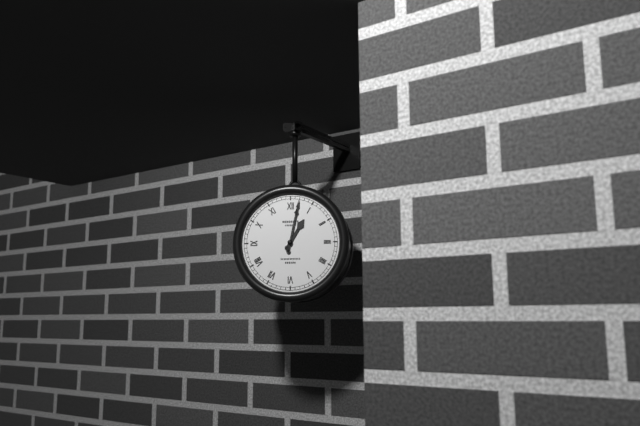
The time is 1:02
